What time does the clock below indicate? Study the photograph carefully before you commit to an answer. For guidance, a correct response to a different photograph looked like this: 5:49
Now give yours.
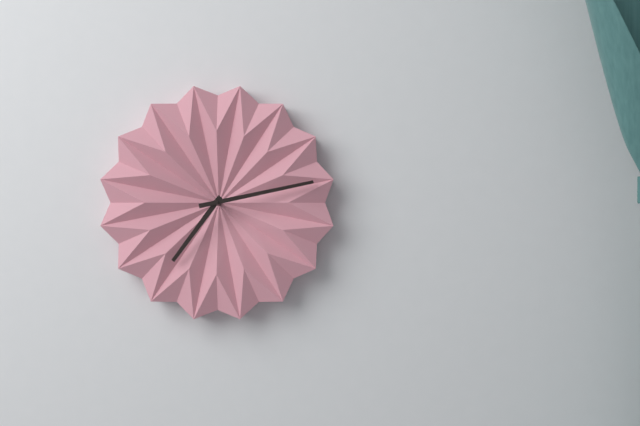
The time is 7:13
